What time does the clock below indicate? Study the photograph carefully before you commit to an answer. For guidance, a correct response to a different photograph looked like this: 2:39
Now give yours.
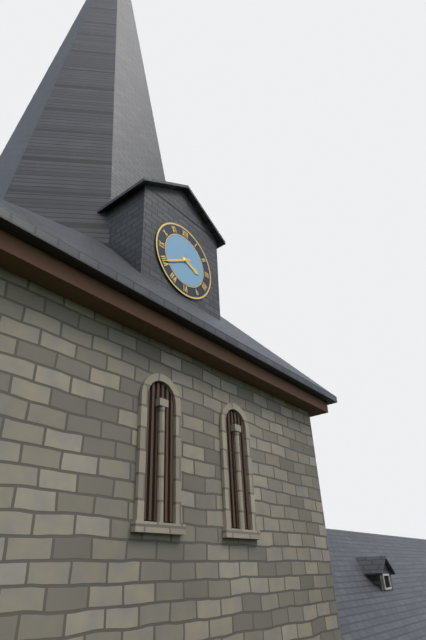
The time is 3:40
